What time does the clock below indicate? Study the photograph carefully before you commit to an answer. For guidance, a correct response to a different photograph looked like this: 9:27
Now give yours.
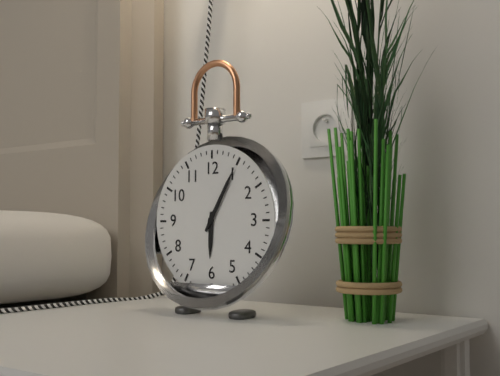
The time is 6:05
